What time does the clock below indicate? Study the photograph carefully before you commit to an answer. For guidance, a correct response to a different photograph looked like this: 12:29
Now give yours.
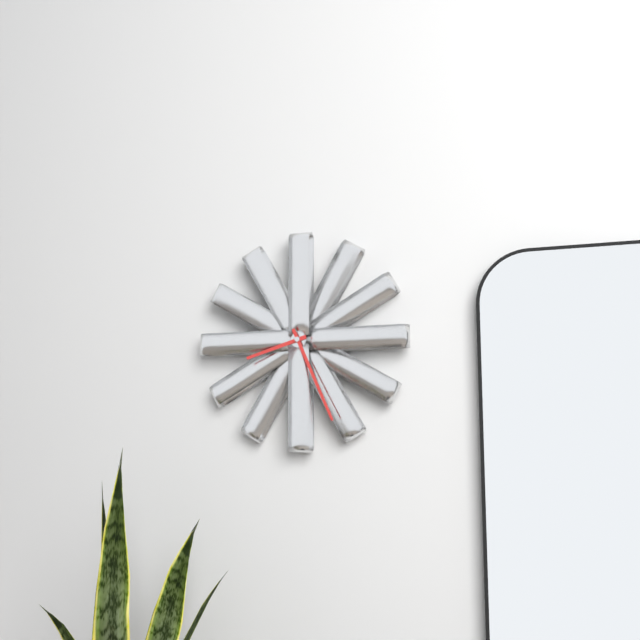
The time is 8:26
